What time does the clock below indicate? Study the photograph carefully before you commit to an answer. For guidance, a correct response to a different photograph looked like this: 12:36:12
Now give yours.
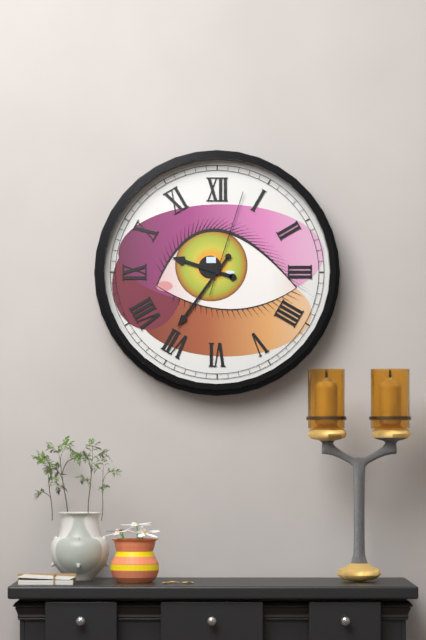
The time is 9:36:03
